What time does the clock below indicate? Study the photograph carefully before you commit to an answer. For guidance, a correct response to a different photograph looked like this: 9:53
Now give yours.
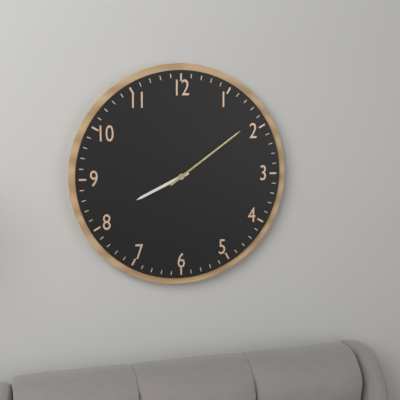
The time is 8:09
